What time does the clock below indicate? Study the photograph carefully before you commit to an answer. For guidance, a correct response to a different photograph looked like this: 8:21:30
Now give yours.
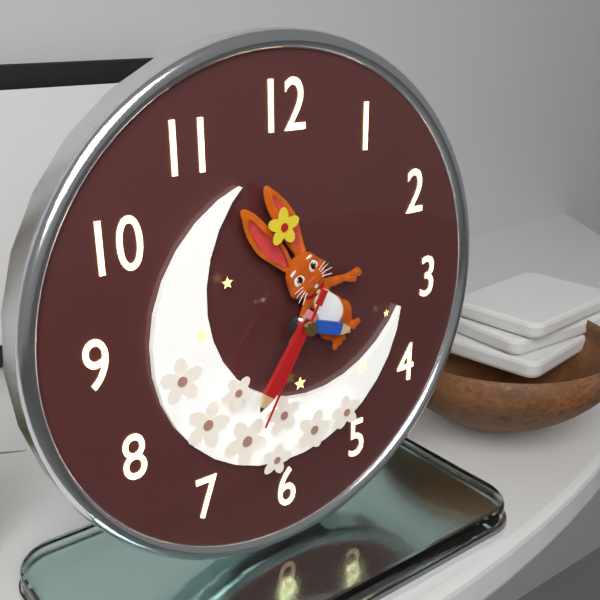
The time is 3:36:35
